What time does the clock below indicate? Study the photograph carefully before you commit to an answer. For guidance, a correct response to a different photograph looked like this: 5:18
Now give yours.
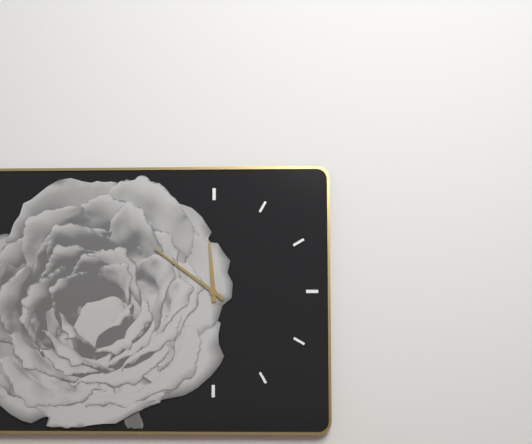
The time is 11:51
